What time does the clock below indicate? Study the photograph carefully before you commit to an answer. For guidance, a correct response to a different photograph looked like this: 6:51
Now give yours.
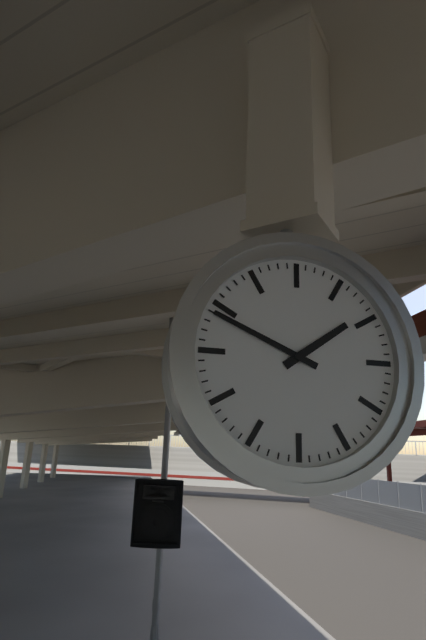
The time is 1:49
